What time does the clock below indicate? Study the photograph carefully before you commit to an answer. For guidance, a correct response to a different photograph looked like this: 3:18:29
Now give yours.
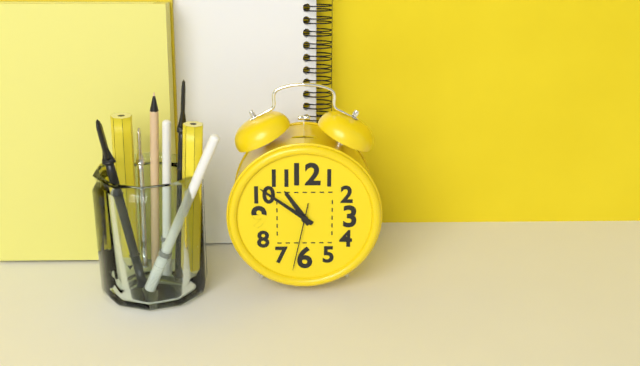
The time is 10:51:32
